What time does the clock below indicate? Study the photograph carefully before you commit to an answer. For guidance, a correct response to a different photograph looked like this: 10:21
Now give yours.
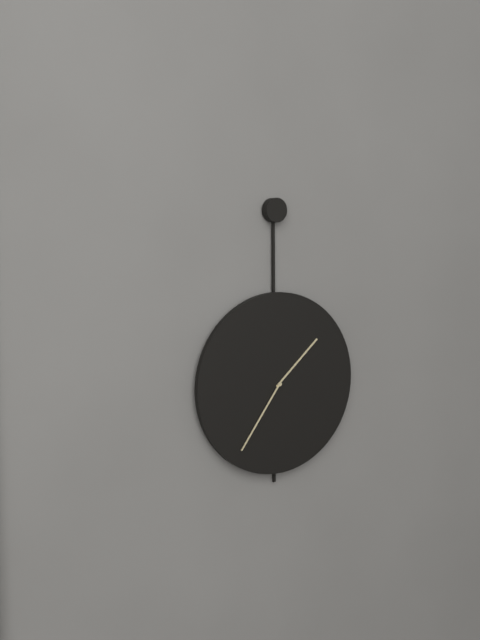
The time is 1:36
